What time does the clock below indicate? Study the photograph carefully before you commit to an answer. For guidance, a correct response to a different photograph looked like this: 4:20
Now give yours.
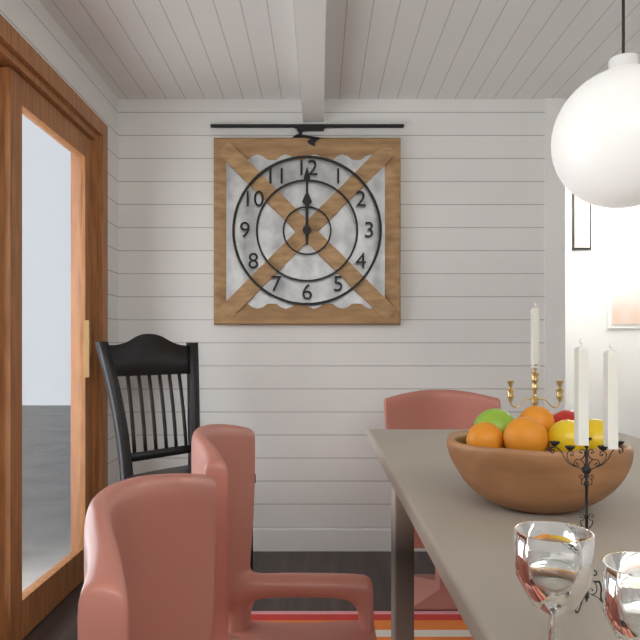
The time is 12:00
